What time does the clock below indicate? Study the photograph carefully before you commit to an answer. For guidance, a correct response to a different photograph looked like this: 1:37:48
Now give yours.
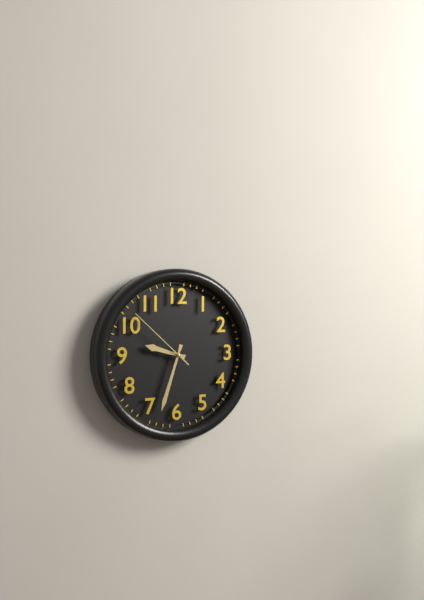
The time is 9:33:52
